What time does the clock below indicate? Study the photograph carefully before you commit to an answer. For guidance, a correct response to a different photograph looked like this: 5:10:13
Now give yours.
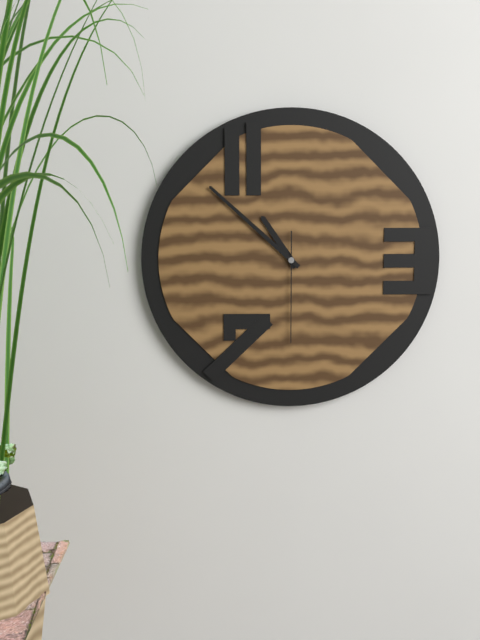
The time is 10:52:30
